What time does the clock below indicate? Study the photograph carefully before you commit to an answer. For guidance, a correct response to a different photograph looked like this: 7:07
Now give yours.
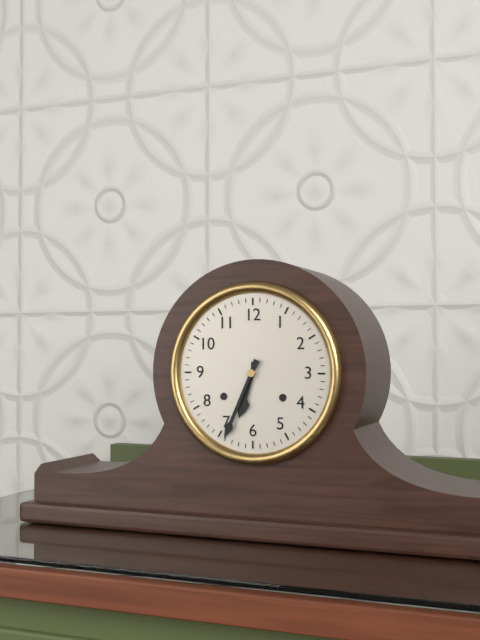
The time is 6:34
